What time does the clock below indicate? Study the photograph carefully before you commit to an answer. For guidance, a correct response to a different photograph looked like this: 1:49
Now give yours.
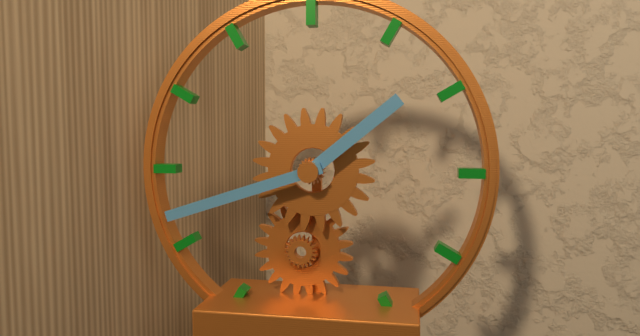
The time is 1:42
